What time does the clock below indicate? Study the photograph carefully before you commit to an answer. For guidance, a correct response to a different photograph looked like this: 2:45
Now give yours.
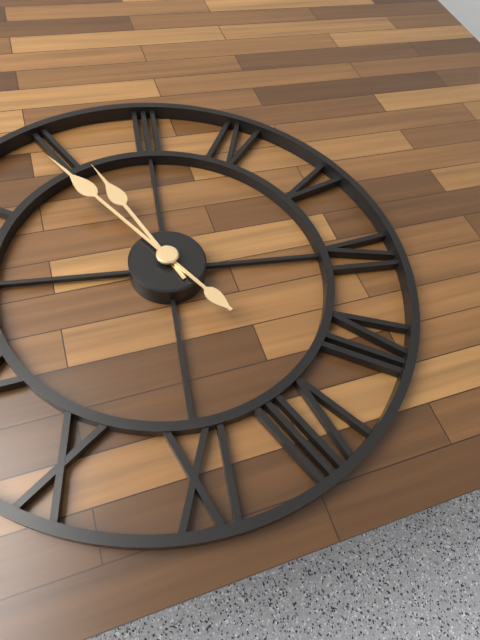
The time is 2:09
